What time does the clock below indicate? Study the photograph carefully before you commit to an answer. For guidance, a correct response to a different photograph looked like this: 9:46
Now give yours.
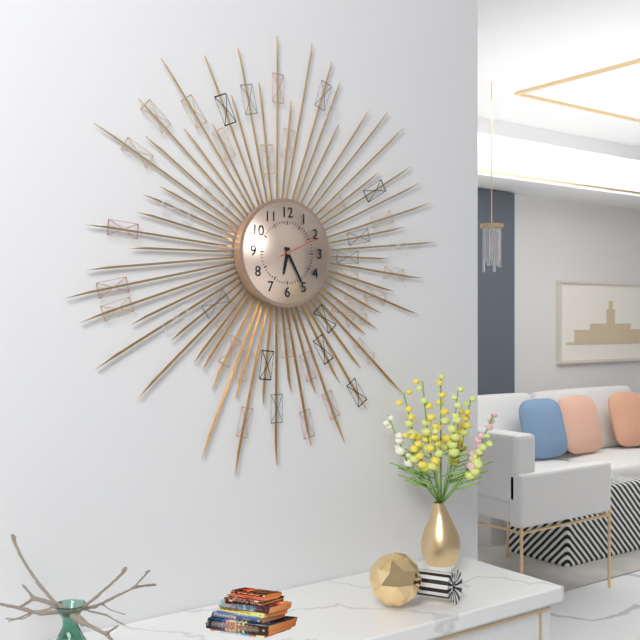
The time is 6:25
